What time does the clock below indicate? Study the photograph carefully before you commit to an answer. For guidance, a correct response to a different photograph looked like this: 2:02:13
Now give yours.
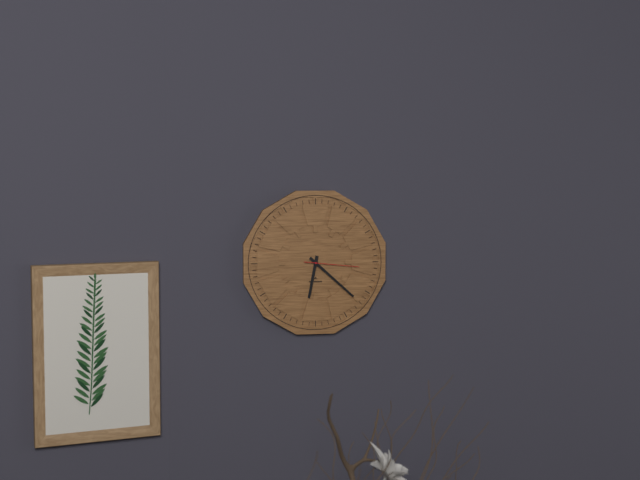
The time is 6:22:16
